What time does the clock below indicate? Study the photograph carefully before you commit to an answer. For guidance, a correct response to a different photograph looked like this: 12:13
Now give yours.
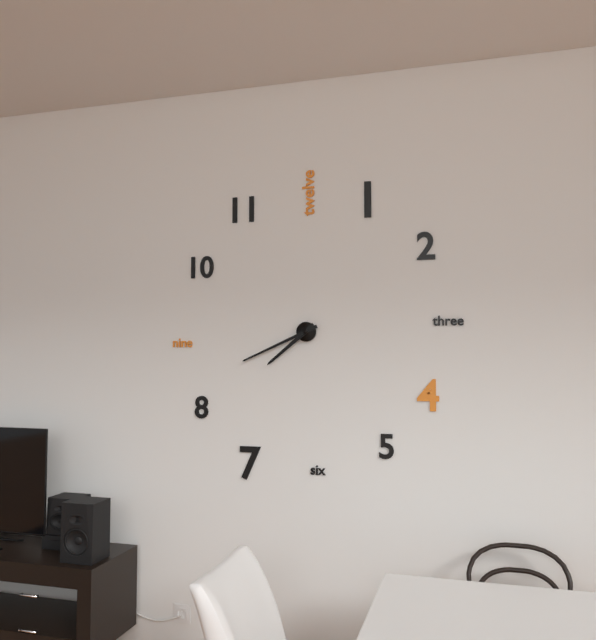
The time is 7:41
